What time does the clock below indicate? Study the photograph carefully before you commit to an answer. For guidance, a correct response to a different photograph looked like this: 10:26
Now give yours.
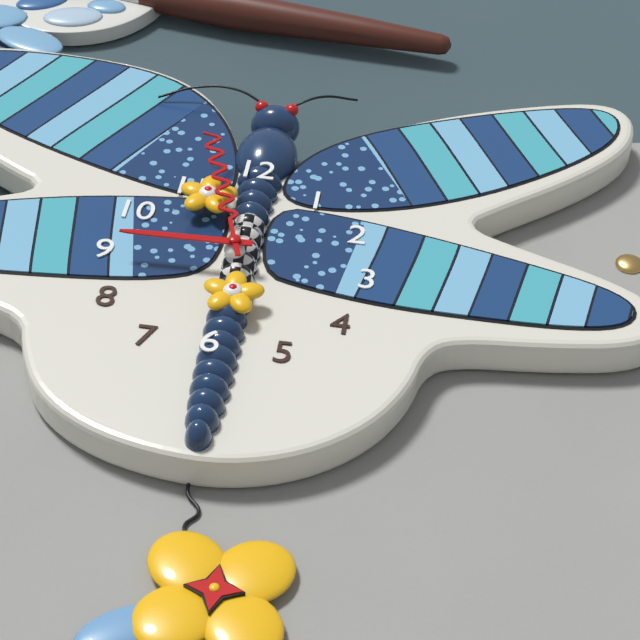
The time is 8:57
